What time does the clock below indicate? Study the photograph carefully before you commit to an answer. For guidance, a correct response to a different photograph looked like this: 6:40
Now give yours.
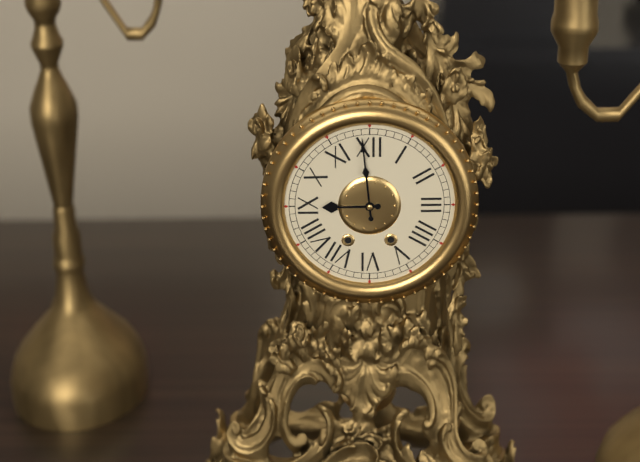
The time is 8:59
